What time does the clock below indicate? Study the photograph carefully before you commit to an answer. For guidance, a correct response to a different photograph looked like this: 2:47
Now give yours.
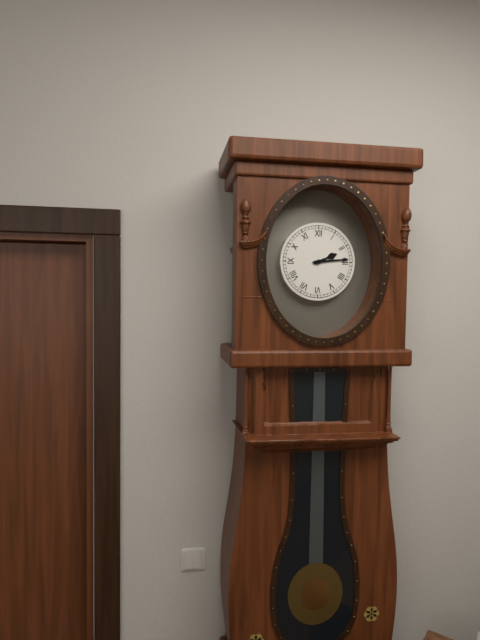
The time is 2:14
